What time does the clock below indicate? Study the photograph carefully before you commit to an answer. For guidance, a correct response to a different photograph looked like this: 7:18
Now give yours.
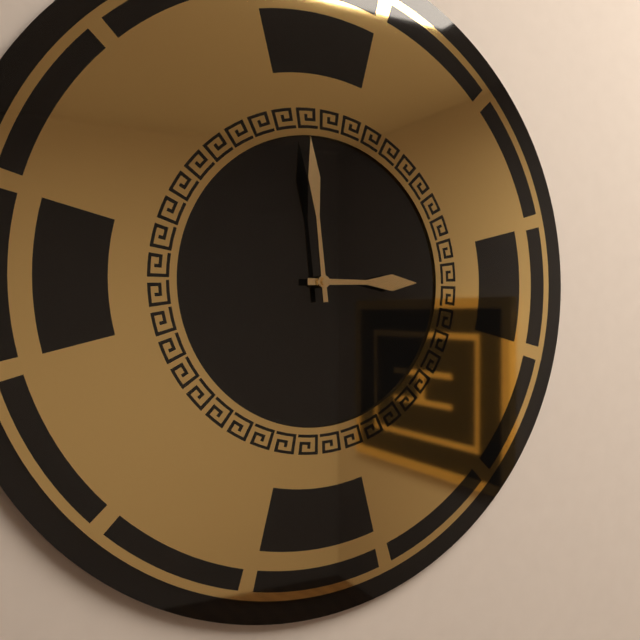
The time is 2:59
